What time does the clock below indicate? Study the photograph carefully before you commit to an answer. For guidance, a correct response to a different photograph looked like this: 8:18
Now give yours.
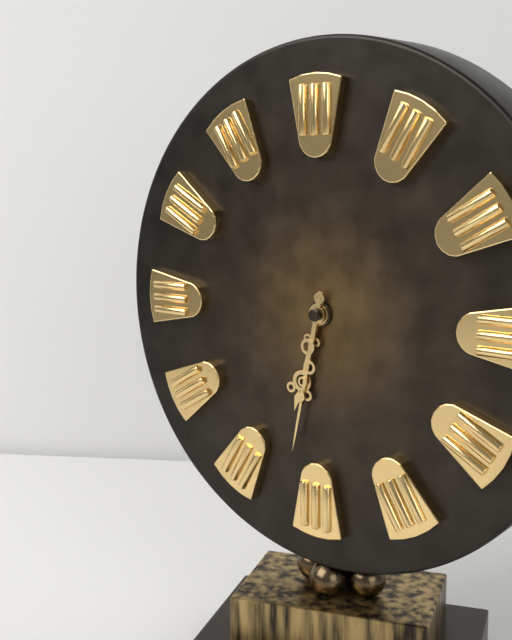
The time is 6:32
